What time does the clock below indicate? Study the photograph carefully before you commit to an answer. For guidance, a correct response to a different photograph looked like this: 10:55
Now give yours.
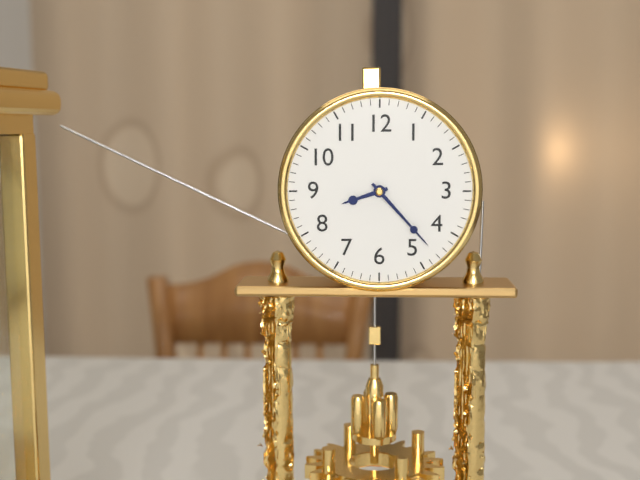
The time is 8:23
